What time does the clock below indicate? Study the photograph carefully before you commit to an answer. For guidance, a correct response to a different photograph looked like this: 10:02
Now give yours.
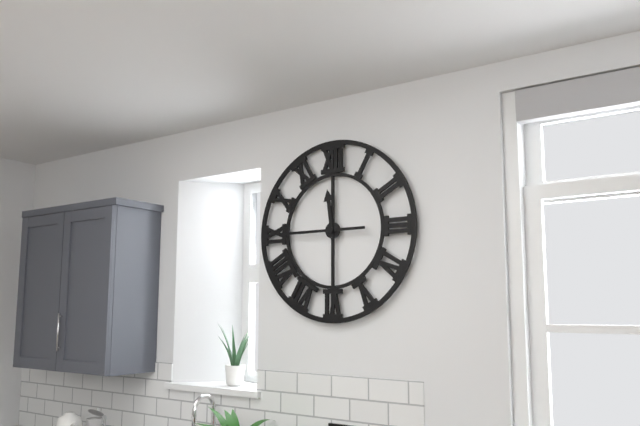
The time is 11:45
